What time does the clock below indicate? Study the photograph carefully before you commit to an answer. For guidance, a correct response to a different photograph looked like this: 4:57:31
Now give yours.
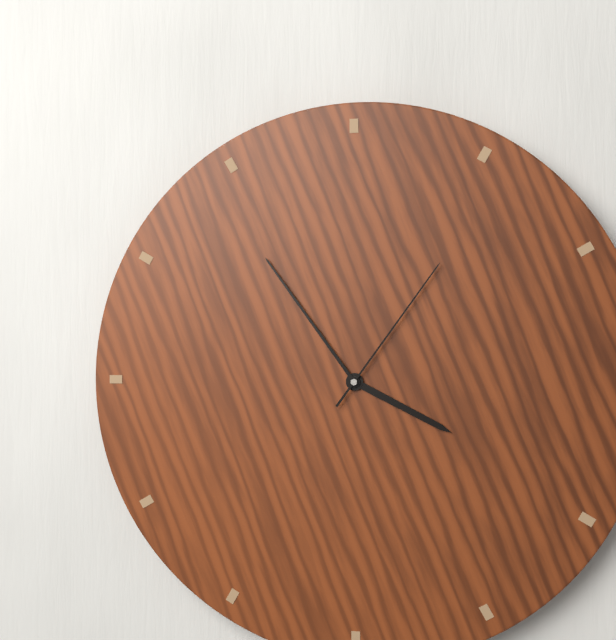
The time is 3:54:06
